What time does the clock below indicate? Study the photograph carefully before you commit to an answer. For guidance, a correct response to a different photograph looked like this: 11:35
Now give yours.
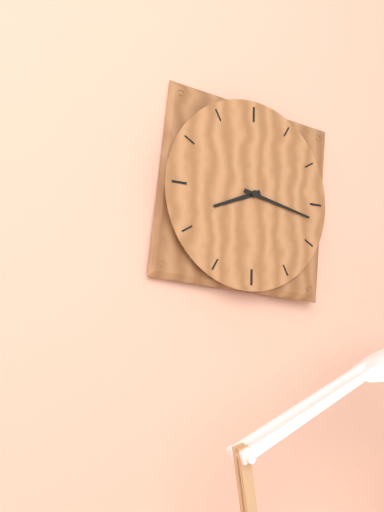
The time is 8:17
